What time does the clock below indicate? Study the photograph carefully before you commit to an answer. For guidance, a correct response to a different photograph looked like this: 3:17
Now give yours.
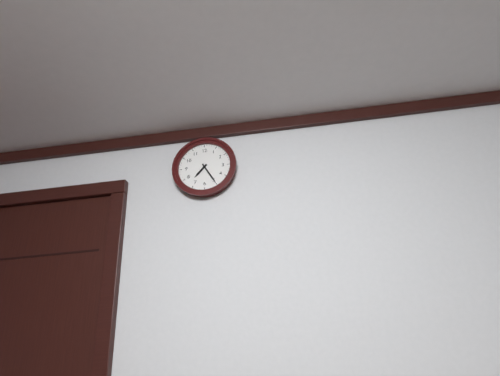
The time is 7:25
